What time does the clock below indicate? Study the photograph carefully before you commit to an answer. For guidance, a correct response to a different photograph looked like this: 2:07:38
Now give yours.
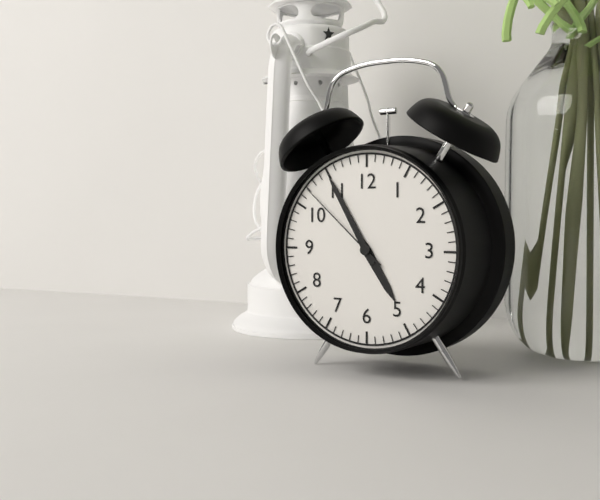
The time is 4:55:52
